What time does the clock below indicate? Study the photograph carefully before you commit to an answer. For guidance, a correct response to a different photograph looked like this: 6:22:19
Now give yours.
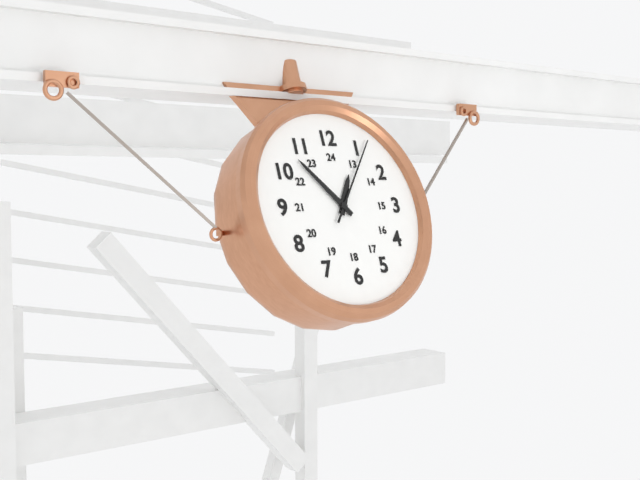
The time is 12:53:06
